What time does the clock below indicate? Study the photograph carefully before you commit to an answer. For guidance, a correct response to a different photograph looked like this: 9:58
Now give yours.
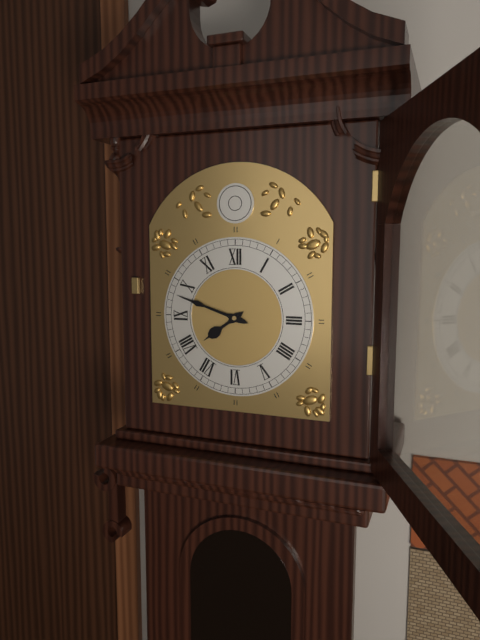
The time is 7:48
